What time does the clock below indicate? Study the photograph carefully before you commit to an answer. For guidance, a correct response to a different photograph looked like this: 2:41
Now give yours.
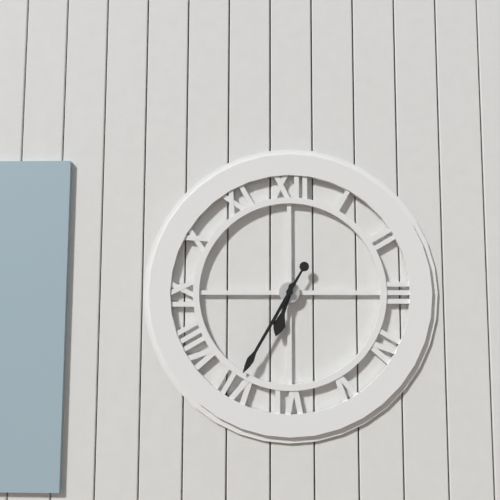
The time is 6:35
